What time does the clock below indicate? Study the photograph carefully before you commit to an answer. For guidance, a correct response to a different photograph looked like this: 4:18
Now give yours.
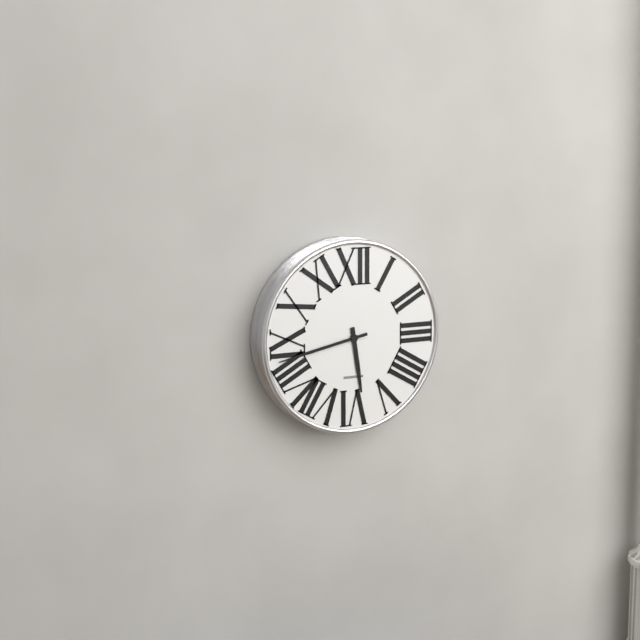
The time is 5:43
